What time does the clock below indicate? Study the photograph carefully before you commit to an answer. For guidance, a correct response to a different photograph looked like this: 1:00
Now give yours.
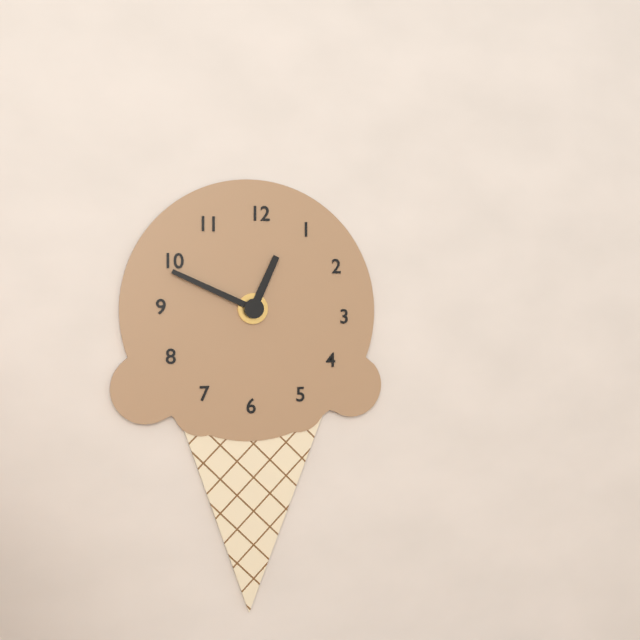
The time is 12:49
